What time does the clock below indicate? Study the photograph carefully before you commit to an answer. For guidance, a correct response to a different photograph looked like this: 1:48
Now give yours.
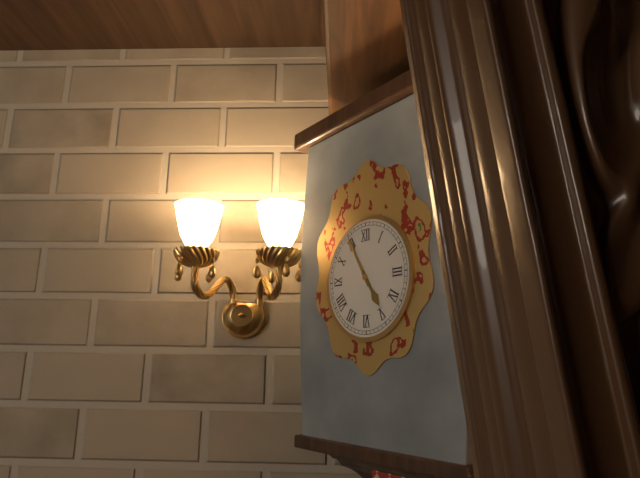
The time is 4:55
